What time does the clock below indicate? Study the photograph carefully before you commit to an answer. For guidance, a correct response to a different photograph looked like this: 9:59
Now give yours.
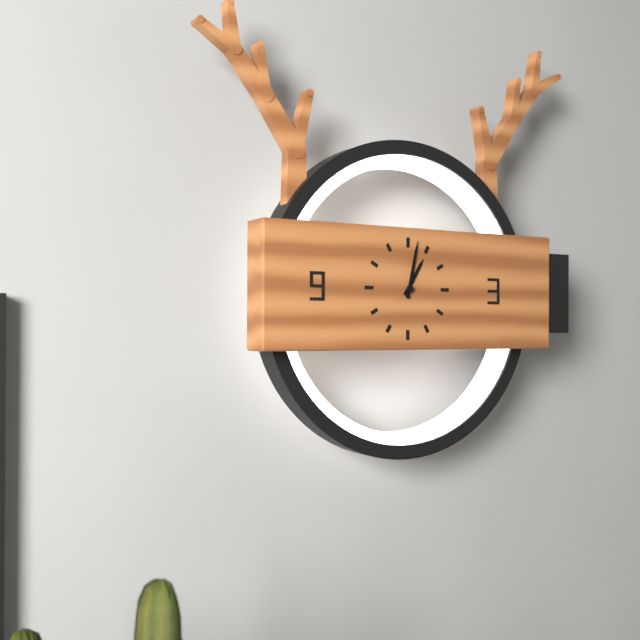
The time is 1:02
